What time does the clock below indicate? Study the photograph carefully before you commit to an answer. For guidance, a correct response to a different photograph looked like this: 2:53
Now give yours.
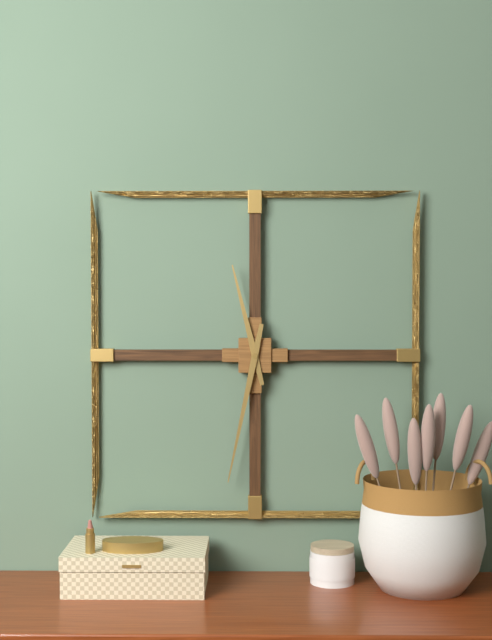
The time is 11:32
